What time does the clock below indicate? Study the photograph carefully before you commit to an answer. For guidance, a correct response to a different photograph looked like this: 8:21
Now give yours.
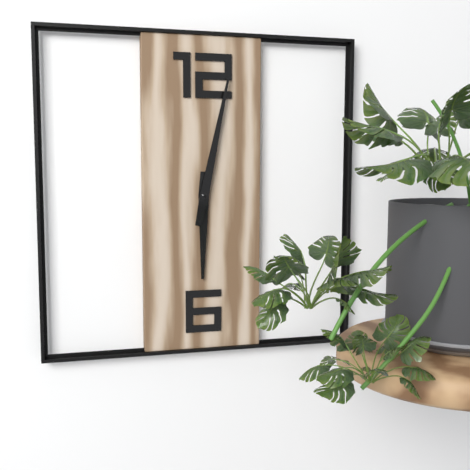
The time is 6:02
